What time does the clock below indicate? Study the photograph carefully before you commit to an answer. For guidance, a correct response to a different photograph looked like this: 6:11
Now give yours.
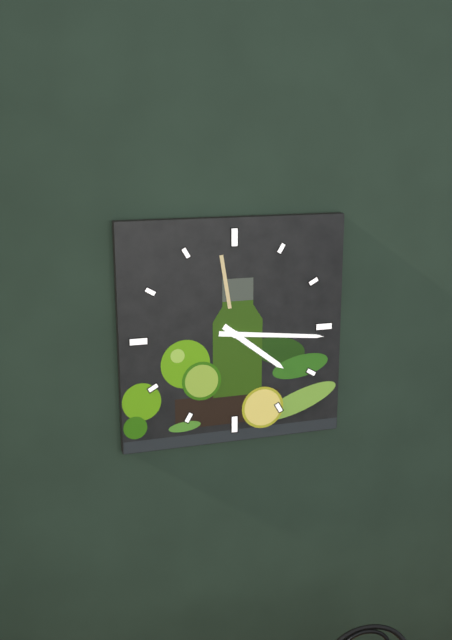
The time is 4:16
